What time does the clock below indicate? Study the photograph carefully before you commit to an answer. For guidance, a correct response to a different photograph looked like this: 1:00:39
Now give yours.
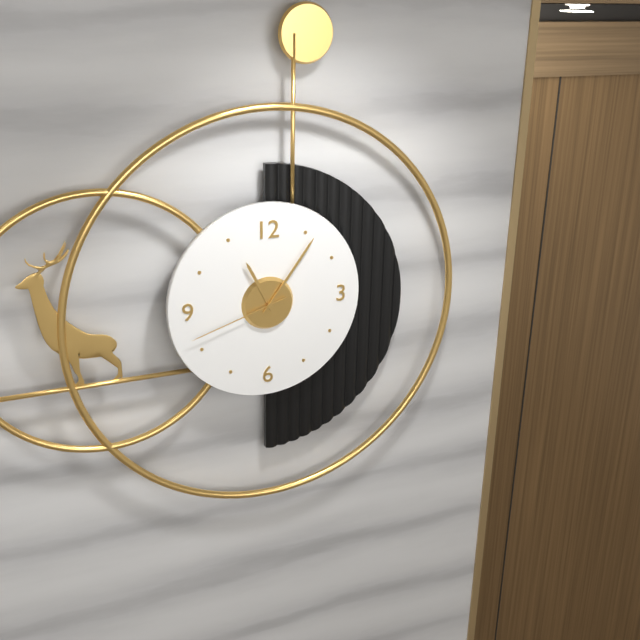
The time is 11:06:42
